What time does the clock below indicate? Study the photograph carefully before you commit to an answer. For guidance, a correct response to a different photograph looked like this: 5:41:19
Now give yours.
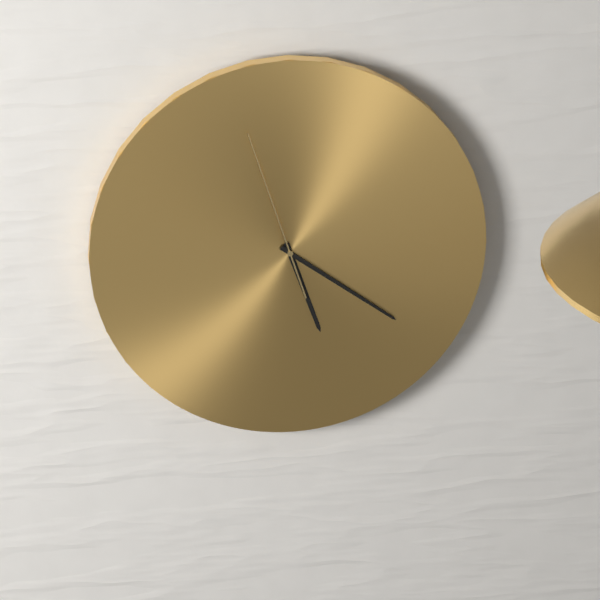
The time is 5:21:57
